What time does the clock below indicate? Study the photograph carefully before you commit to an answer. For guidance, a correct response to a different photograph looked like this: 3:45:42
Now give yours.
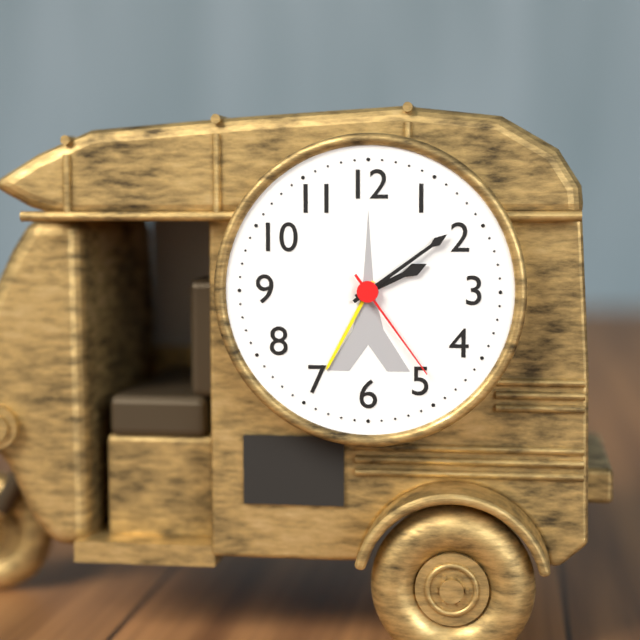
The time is 2:09:24
